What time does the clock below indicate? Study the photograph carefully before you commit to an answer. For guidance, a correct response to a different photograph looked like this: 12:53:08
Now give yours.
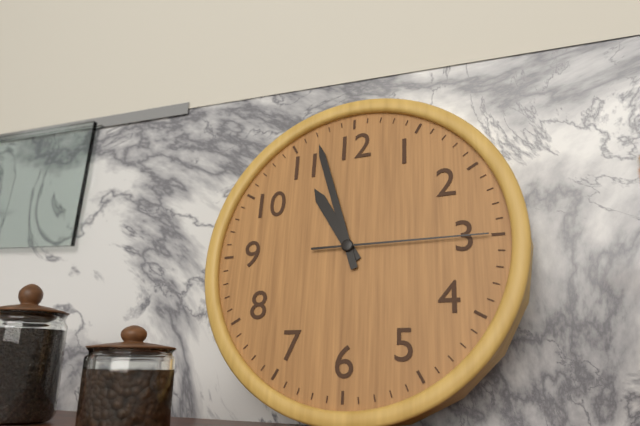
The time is 10:57:15
